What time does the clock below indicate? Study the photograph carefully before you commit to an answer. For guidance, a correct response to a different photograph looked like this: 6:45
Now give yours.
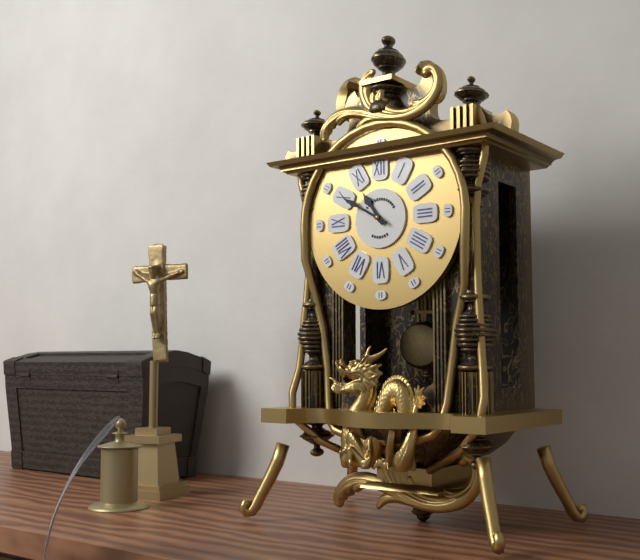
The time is 10:50
